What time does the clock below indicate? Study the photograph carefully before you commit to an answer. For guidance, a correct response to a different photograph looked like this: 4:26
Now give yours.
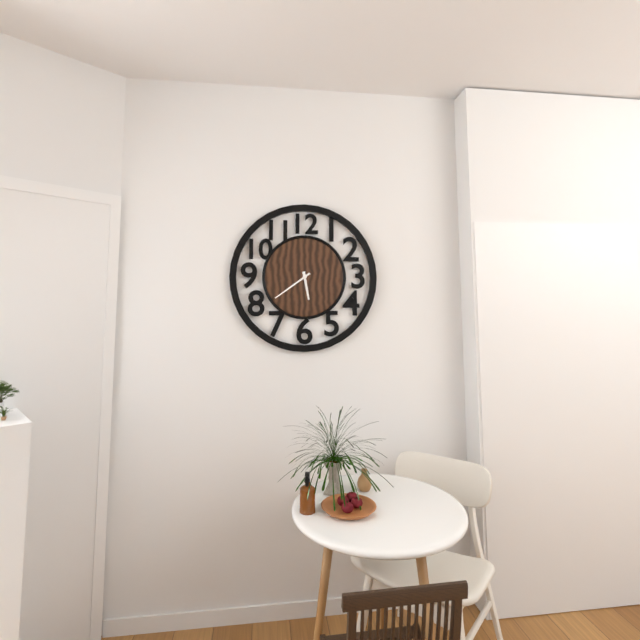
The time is 5:39
